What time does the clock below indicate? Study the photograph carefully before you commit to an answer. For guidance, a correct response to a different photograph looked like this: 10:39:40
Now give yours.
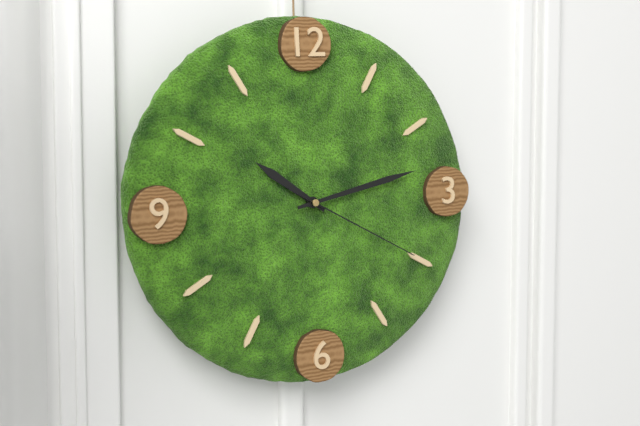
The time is 10:13:20
